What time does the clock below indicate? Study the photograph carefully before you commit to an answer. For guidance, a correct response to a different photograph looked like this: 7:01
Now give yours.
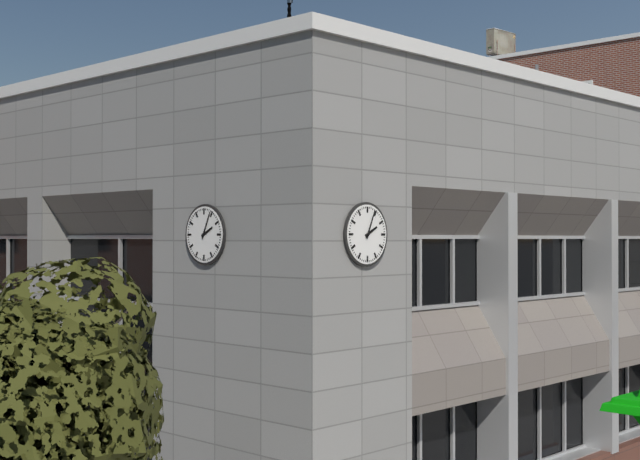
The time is 2:04
